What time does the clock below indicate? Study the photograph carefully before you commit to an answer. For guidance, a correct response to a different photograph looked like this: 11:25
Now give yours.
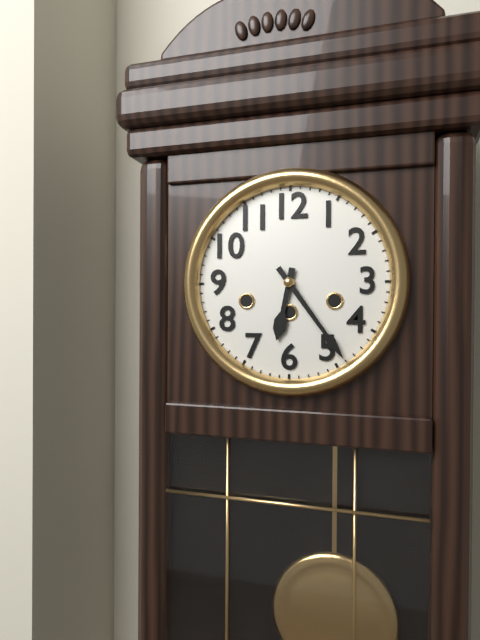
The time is 6:24
